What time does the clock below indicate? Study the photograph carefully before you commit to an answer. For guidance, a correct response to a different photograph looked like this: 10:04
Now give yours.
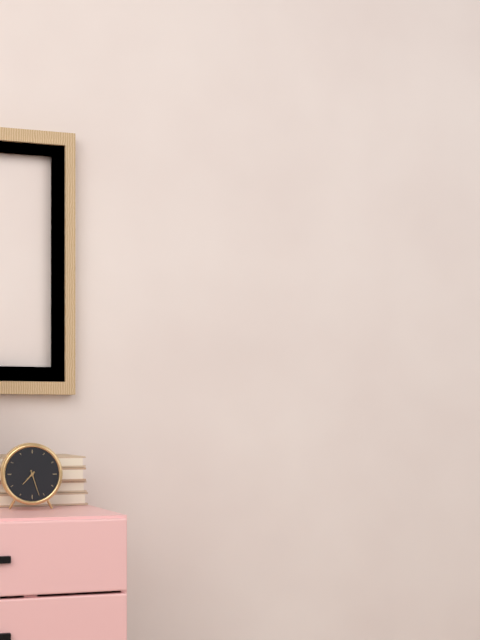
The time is 7:27
